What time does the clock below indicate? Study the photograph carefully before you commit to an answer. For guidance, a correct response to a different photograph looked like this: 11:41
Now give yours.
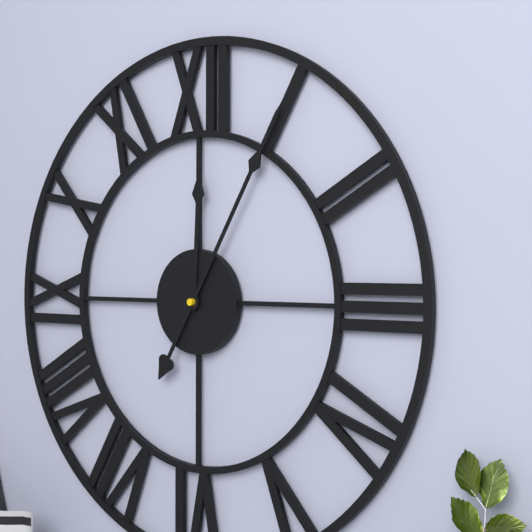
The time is 12:05
